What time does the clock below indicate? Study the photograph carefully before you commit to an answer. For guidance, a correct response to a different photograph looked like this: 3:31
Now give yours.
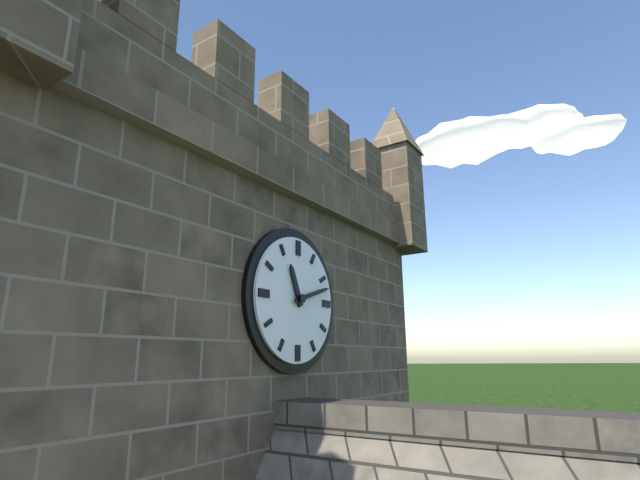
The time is 11:12
